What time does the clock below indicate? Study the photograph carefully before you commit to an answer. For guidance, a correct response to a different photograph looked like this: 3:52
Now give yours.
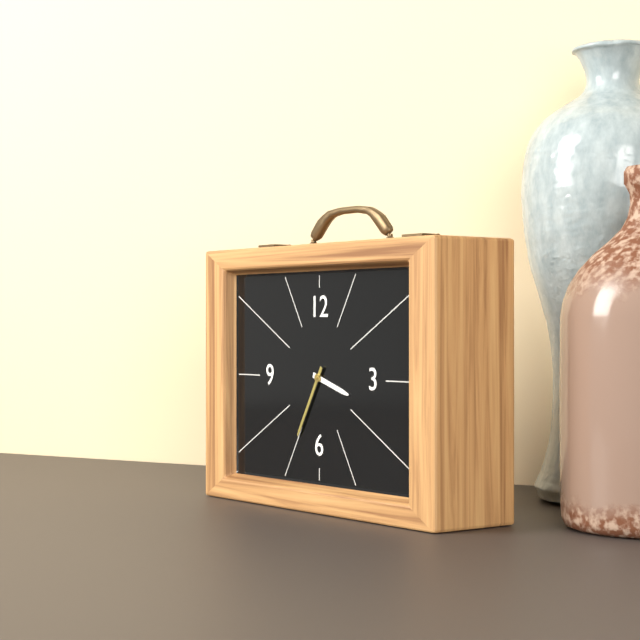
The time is 3:35
